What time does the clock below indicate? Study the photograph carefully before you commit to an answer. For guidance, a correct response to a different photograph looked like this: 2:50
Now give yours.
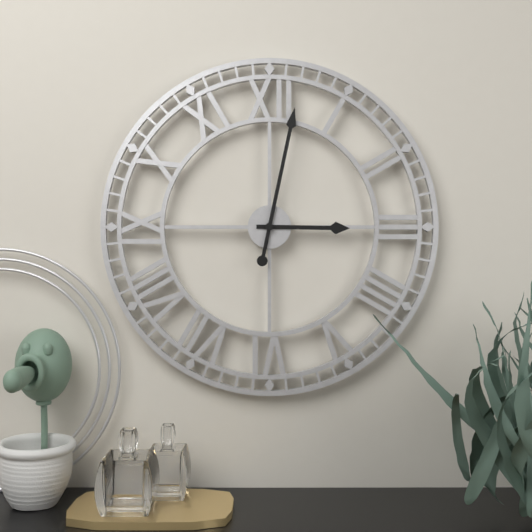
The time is 3:02
